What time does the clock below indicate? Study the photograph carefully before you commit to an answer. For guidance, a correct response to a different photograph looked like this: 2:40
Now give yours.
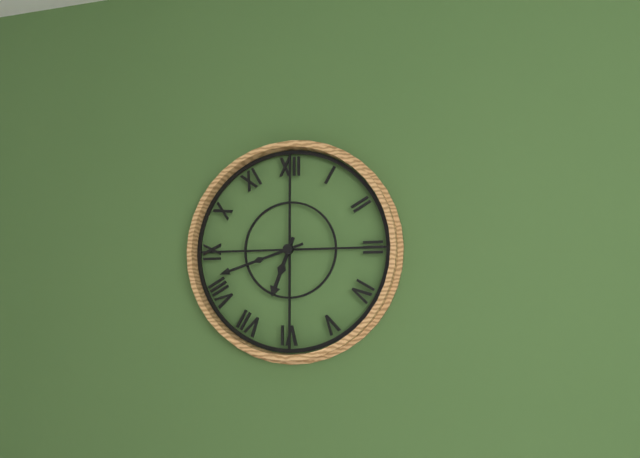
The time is 6:42
